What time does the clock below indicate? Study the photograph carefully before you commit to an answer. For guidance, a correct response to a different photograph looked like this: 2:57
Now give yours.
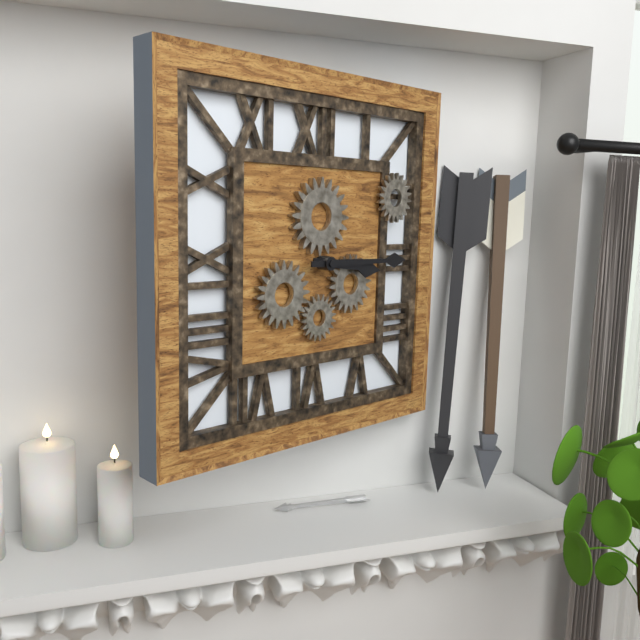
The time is 3:15
